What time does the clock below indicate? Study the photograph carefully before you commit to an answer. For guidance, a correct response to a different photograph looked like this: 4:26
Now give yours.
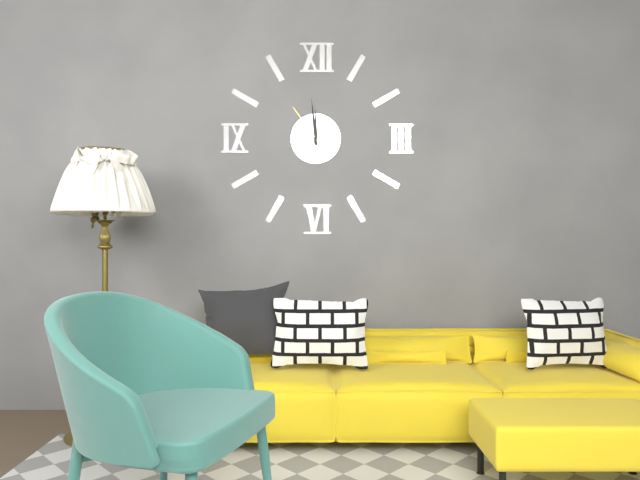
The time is 11:59
